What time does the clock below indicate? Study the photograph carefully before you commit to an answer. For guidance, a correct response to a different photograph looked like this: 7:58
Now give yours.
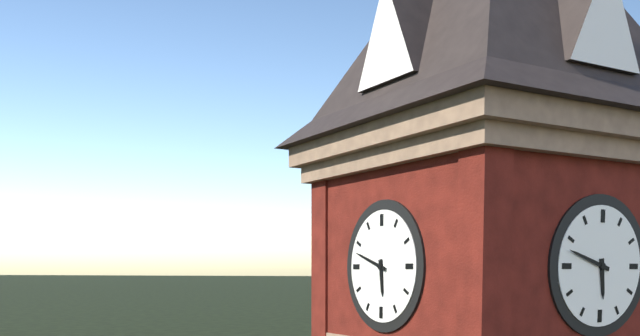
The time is 5:48
